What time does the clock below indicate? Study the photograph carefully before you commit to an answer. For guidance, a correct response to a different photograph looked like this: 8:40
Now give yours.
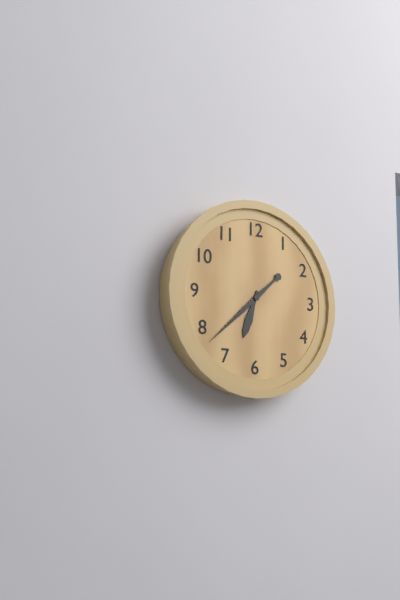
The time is 6:38
